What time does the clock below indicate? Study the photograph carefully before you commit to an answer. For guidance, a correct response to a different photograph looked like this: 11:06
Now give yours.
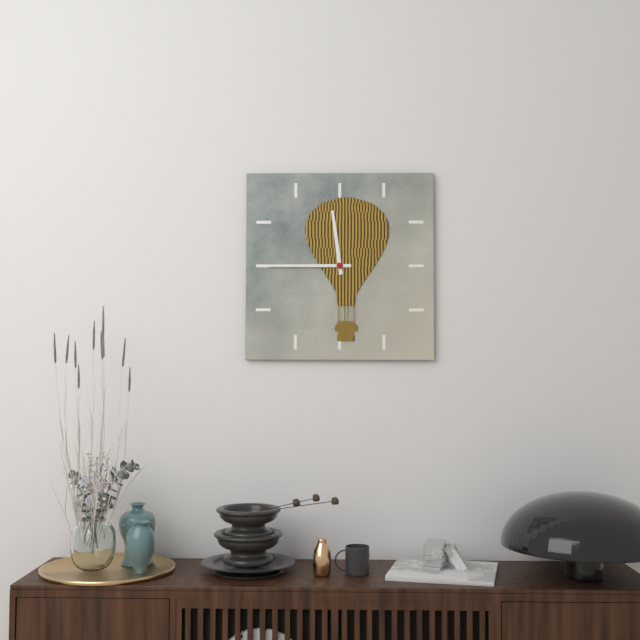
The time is 11:45
